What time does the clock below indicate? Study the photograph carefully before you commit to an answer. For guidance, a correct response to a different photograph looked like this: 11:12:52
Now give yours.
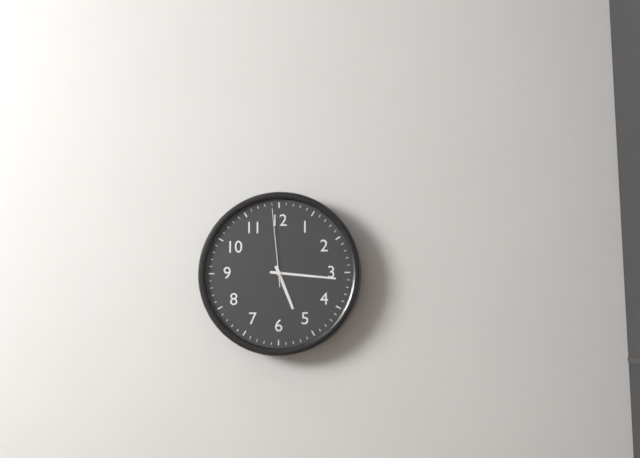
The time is 5:16:59
